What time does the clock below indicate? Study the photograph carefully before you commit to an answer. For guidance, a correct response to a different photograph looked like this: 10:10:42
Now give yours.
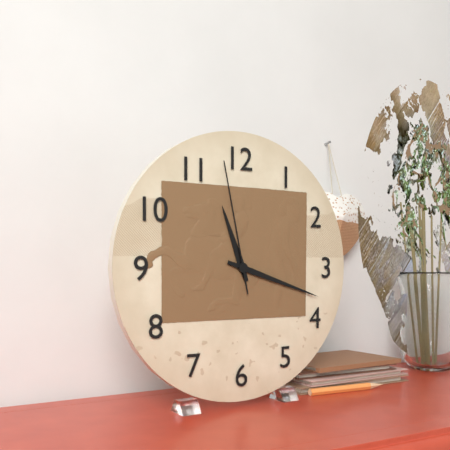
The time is 11:18:58
